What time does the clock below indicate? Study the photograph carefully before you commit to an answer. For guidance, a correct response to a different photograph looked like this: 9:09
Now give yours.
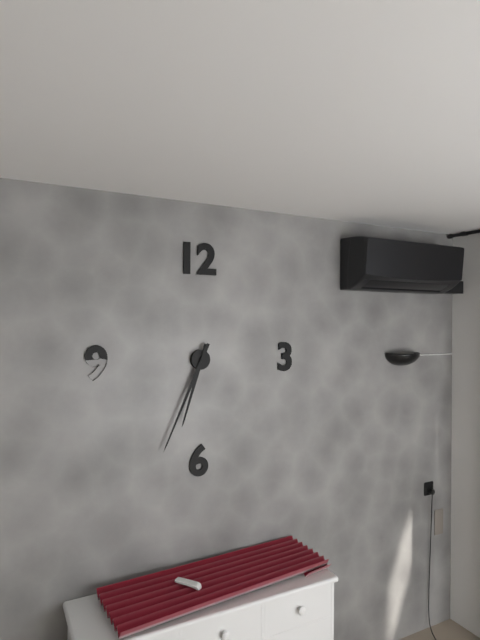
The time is 6:34
